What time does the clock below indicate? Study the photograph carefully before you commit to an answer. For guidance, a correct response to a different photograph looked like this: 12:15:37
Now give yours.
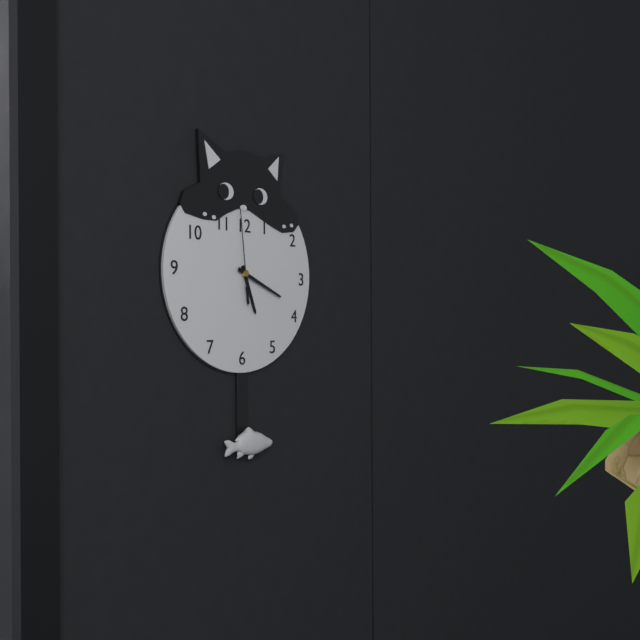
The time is 5:19:59
